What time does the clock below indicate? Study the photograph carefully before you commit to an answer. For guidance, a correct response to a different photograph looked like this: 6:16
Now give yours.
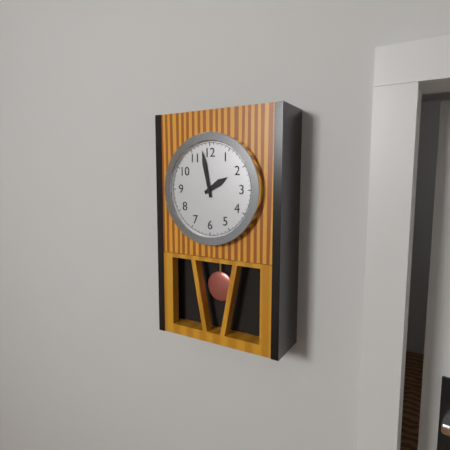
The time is 1:58
